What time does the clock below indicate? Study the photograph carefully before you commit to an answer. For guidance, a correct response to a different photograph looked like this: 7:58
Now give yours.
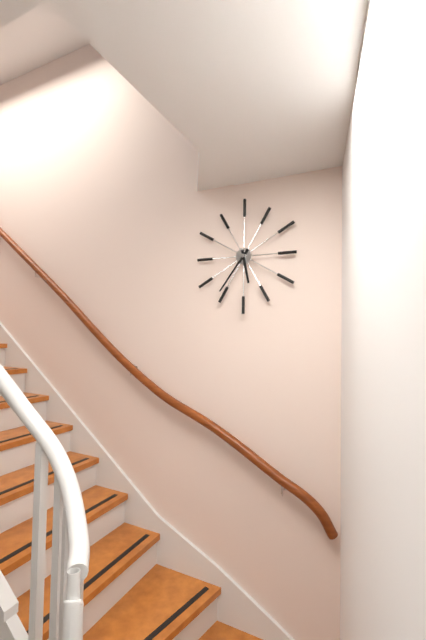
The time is 5:36
